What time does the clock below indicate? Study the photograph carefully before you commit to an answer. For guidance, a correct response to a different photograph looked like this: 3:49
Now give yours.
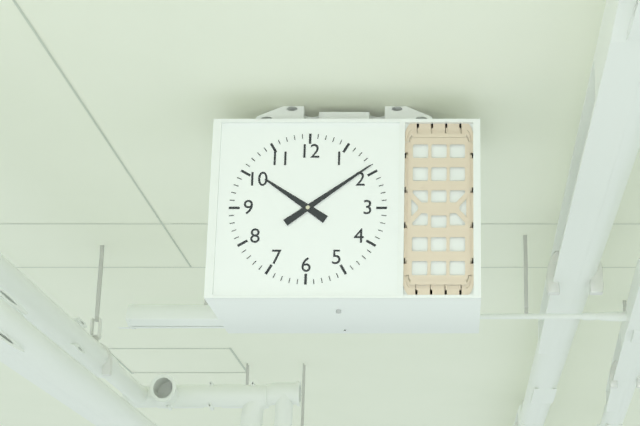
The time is 10:09
